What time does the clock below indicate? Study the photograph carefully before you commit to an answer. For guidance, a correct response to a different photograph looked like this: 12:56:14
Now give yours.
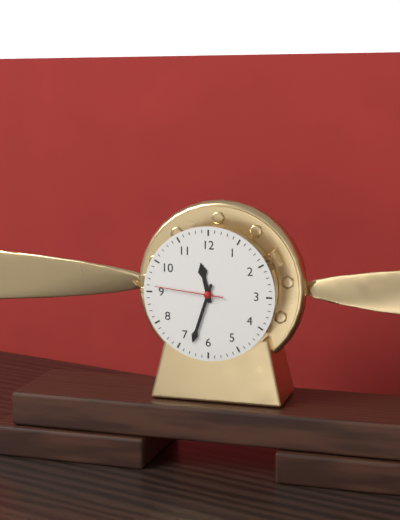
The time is 11:33:46
